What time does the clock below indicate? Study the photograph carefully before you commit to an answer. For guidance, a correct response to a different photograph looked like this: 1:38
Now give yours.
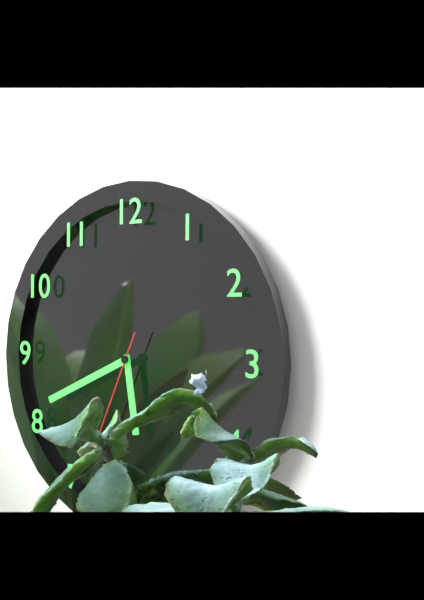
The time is 5:41
